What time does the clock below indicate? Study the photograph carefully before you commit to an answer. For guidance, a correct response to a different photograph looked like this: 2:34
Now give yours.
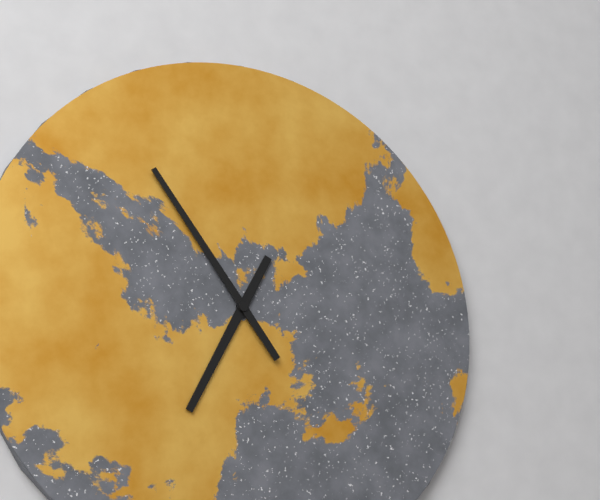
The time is 6:54
